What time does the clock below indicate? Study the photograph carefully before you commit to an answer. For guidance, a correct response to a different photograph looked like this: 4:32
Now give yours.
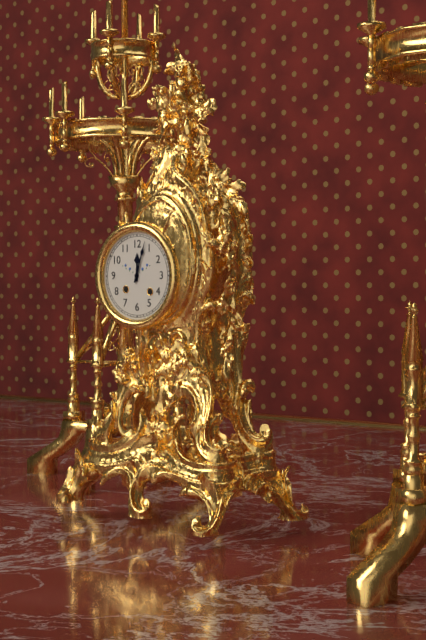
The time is 12:03
